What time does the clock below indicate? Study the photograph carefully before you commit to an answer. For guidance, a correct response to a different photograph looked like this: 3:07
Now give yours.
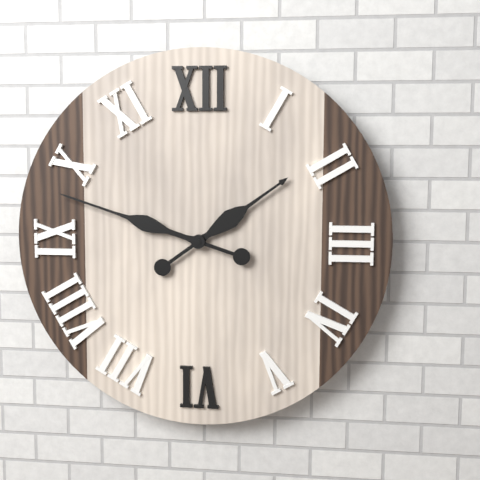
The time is 1:48
